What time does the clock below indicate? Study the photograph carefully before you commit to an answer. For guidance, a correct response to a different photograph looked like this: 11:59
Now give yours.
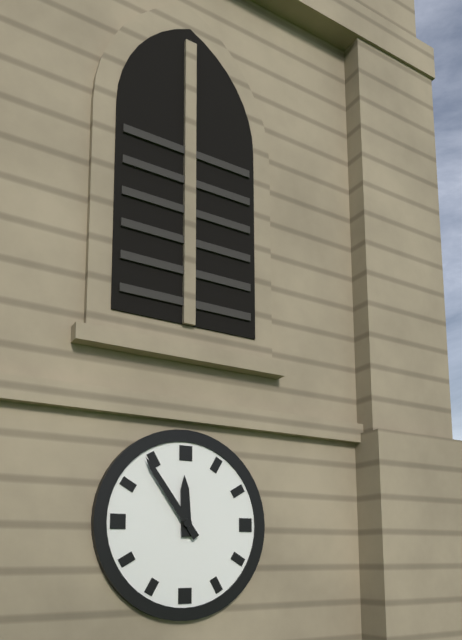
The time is 11:54
